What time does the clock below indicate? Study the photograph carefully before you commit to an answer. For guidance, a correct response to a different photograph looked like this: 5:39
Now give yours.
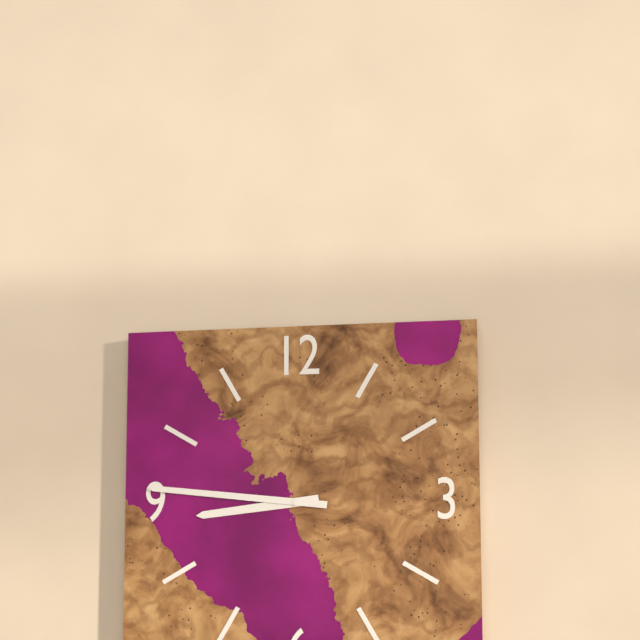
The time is 8:46
